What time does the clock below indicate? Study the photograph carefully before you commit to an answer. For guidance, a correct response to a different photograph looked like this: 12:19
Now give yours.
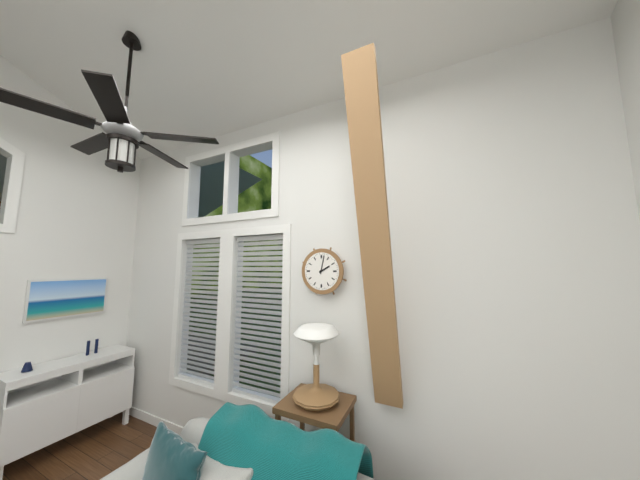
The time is 2:02
